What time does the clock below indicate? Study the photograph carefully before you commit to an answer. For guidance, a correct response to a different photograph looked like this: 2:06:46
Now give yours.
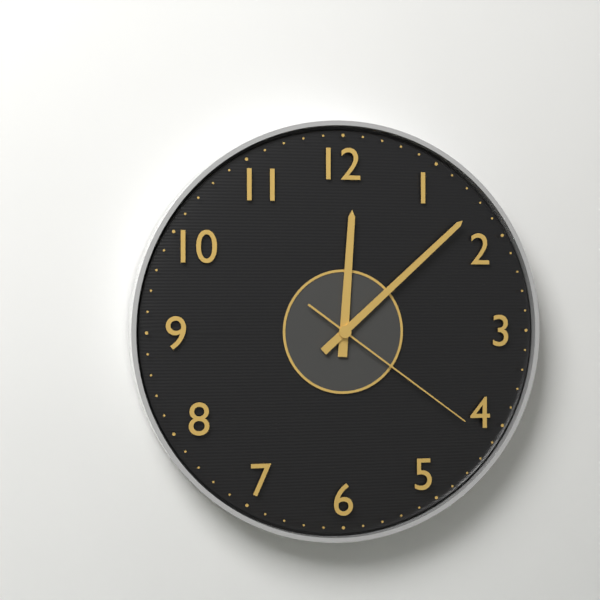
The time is 12:08:21
